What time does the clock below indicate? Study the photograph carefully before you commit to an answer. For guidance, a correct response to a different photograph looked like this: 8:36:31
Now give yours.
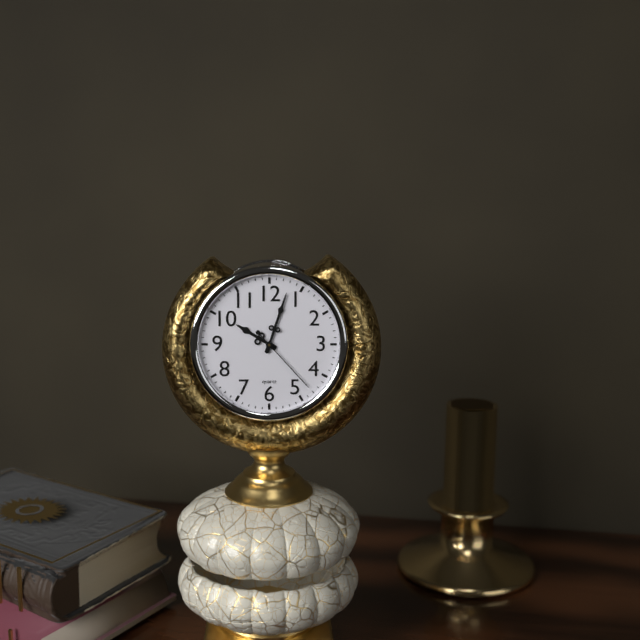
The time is 10:03:23
